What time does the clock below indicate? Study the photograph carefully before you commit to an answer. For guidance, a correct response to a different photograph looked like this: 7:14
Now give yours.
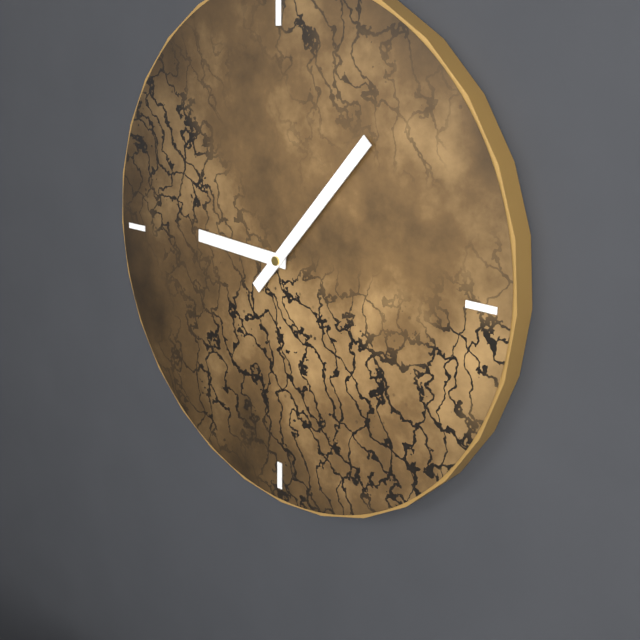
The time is 9:07
